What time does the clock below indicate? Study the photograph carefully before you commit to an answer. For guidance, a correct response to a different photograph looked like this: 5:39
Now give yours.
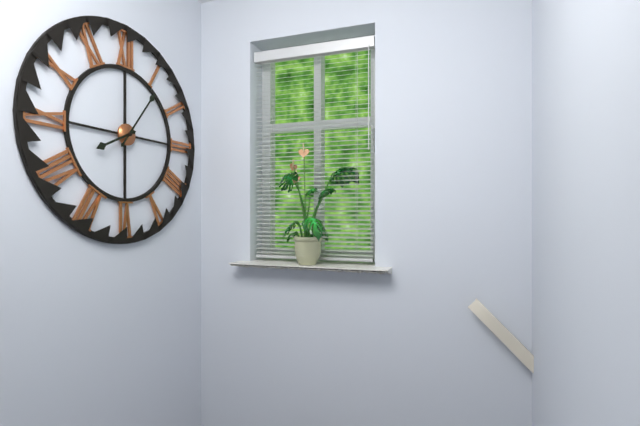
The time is 8:06
